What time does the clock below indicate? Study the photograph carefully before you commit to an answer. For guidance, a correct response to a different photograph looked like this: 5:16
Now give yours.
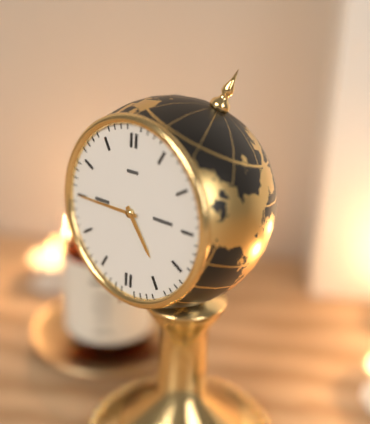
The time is 4:45
